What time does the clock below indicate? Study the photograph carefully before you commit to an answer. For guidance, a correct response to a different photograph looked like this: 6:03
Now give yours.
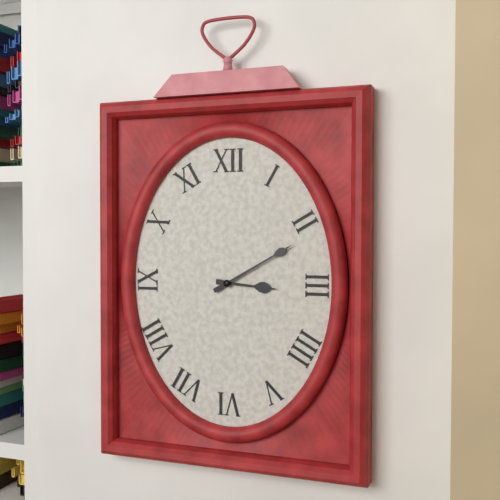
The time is 3:10
